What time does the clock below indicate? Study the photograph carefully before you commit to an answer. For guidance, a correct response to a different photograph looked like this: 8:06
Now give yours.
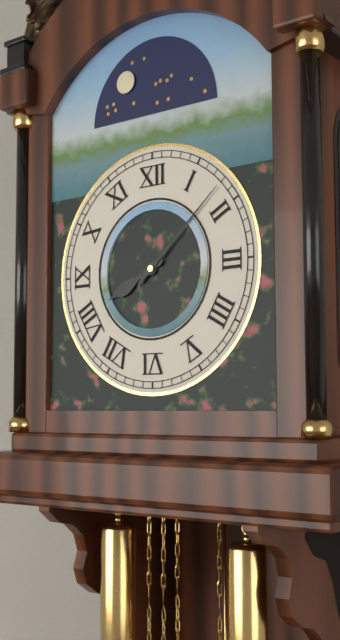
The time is 8:08
